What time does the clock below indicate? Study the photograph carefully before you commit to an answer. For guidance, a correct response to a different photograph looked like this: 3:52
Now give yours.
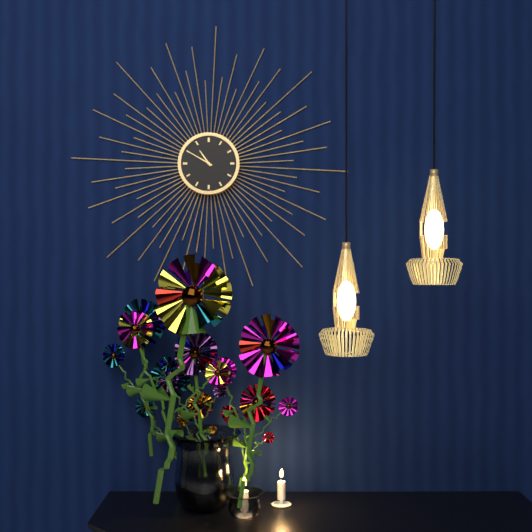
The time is 10:50
